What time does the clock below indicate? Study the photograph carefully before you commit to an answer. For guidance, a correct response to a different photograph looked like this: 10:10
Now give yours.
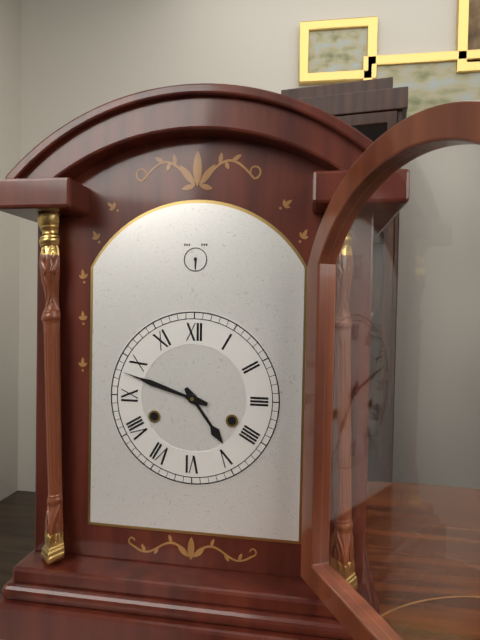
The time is 4:48
